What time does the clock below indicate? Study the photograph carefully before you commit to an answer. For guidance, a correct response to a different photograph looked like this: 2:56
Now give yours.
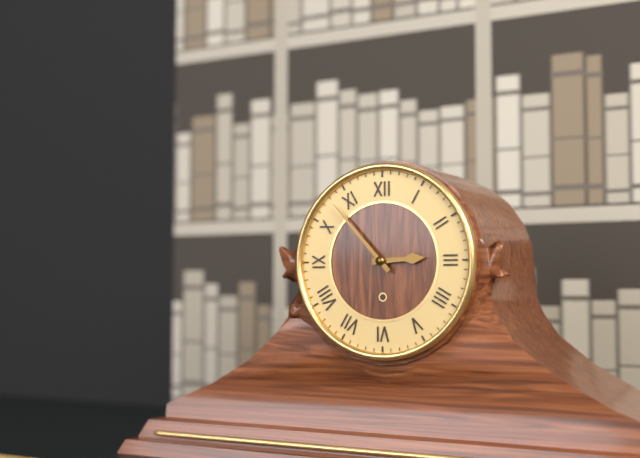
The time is 2:53
